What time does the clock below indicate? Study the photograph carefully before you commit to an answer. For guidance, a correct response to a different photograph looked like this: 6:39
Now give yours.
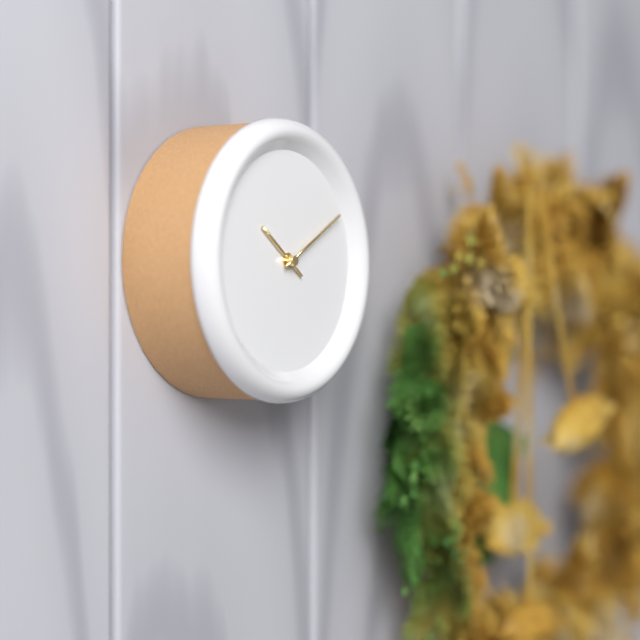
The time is 10:10
